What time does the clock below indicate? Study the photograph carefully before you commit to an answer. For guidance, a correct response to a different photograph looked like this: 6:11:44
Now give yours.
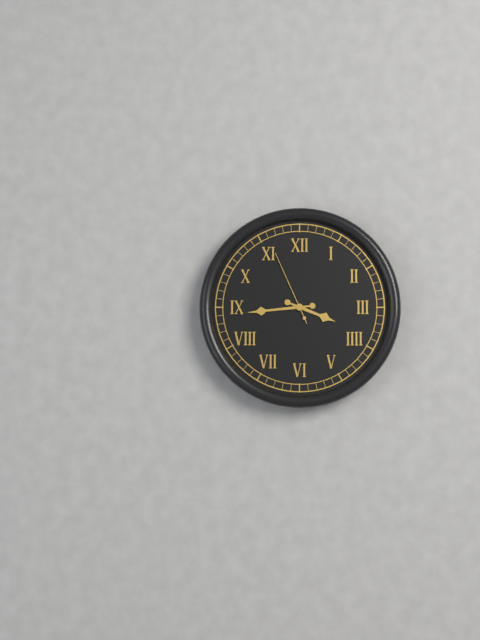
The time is 3:44:56
